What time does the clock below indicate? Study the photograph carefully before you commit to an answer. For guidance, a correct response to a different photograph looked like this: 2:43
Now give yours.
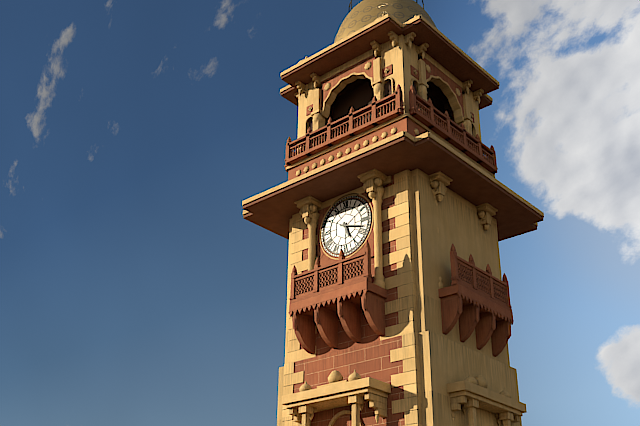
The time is 5:18
